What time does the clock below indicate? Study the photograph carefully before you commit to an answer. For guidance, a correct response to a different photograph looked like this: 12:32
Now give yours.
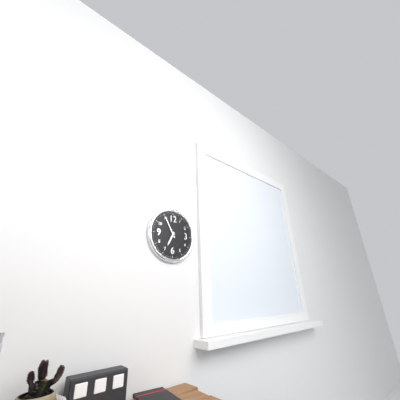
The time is 6:55
